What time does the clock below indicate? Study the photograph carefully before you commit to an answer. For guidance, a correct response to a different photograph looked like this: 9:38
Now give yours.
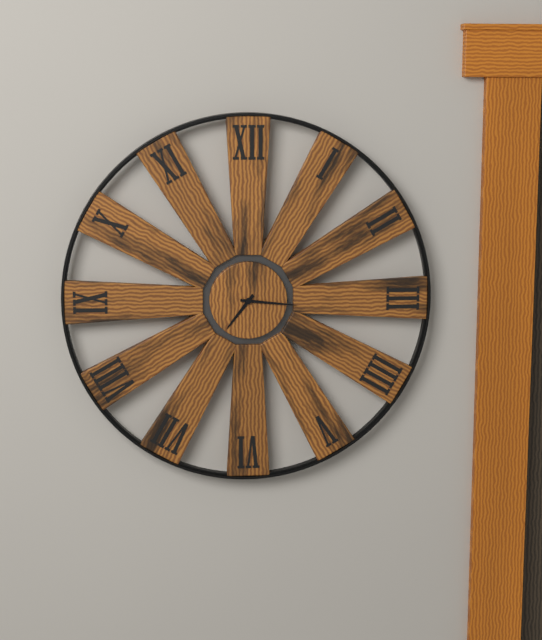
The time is 7:16
